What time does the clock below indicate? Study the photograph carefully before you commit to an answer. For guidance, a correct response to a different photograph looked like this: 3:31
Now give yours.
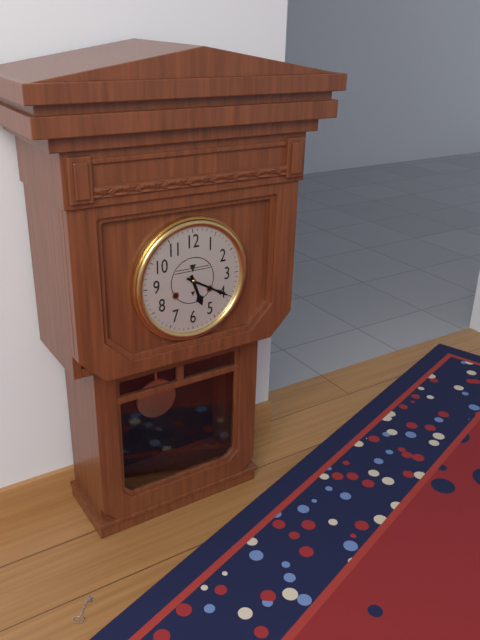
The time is 5:20
